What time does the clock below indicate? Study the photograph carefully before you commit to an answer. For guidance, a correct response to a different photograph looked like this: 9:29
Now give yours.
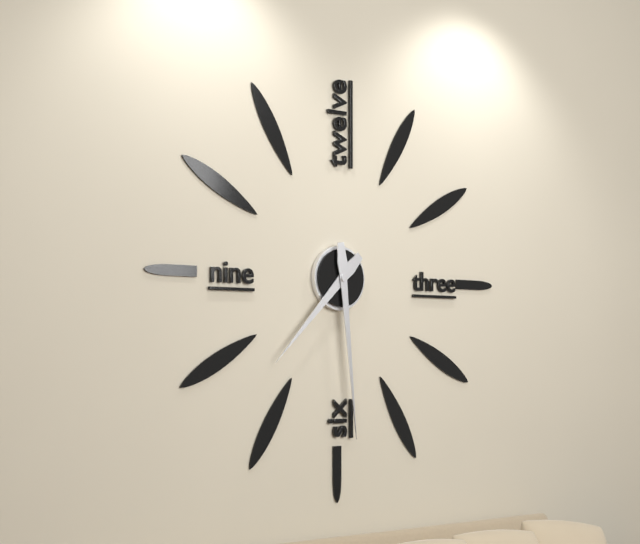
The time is 7:29
